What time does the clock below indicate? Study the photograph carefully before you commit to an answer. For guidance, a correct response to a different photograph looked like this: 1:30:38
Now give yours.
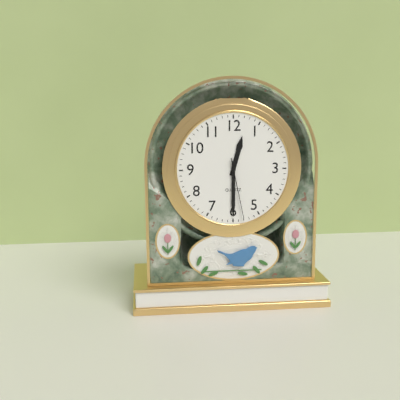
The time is 12:30:28
